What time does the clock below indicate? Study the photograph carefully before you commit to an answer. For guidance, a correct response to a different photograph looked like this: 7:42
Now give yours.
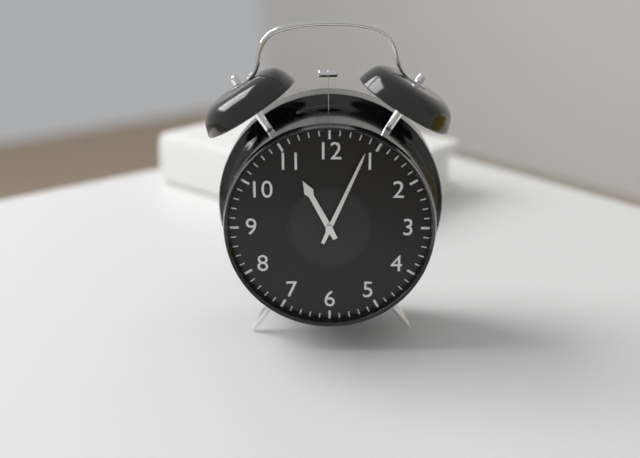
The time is 11:04
